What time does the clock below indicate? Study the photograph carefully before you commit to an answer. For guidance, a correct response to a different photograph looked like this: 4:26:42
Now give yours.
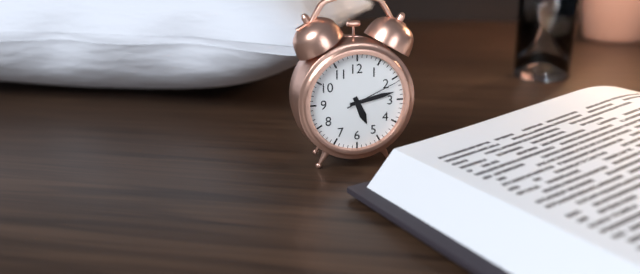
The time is 5:13:11
